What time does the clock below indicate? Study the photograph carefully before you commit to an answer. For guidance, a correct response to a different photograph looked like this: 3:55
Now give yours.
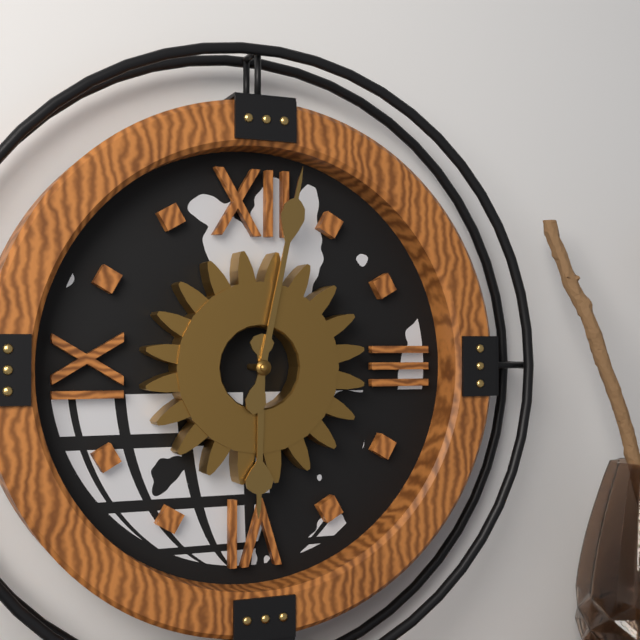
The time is 6:02
